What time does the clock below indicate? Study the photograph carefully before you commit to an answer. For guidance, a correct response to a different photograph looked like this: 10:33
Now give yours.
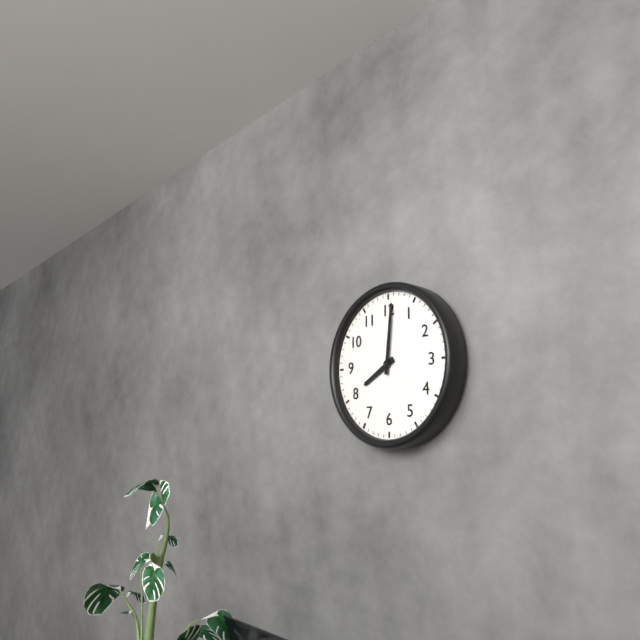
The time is 8:01
